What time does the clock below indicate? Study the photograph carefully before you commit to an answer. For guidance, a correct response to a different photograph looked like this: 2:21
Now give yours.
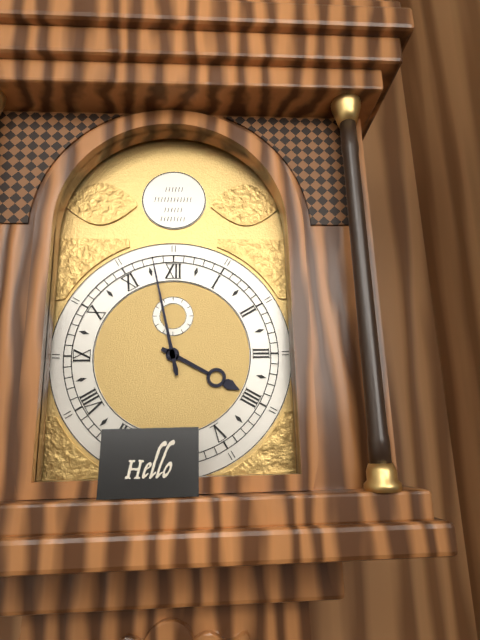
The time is 3:58
